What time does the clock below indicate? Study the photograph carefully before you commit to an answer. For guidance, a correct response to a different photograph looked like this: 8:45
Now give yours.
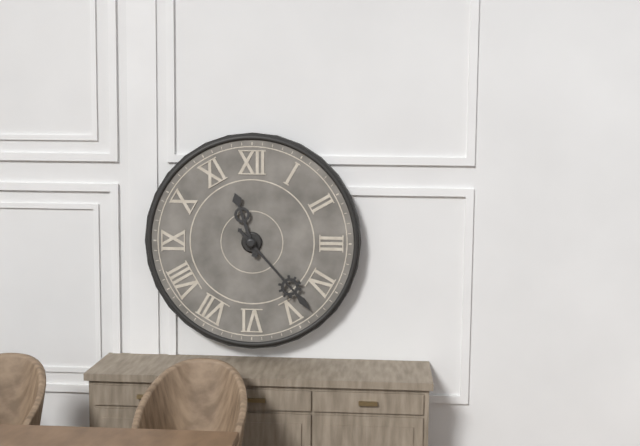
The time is 11:23
